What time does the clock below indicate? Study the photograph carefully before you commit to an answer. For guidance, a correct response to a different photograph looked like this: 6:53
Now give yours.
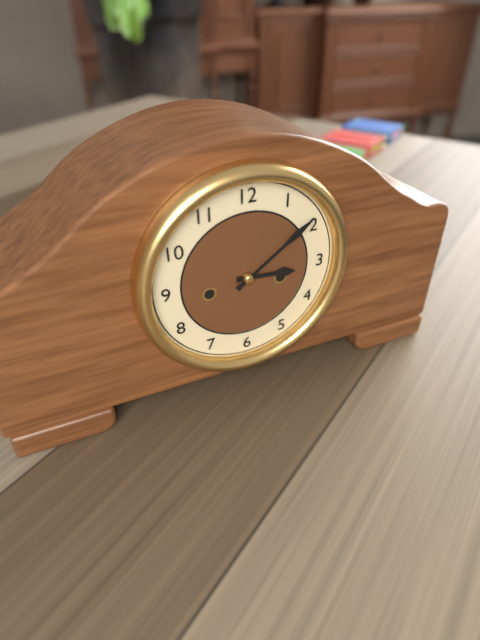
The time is 3:09
